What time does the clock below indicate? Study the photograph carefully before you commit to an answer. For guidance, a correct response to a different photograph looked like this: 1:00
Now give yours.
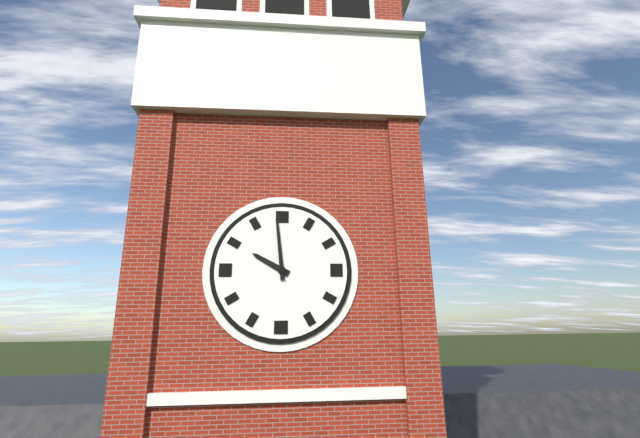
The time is 9:59
